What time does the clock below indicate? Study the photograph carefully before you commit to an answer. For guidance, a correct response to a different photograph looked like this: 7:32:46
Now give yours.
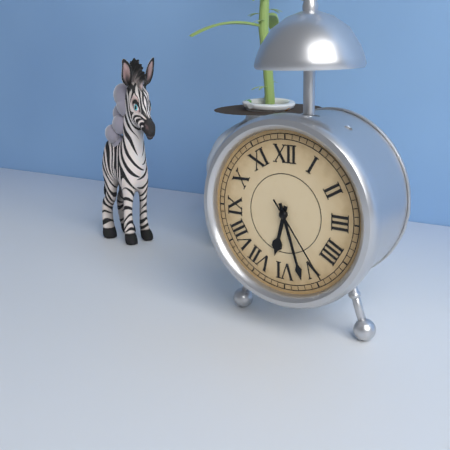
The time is 6:27:24
